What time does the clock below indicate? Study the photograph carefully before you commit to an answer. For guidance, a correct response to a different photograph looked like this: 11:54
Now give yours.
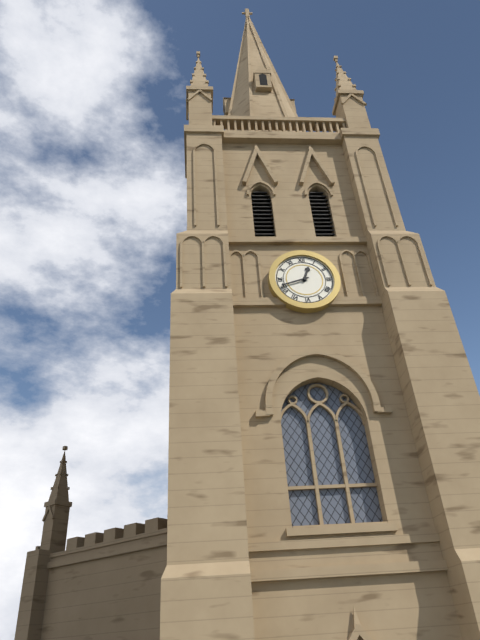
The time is 12:42
